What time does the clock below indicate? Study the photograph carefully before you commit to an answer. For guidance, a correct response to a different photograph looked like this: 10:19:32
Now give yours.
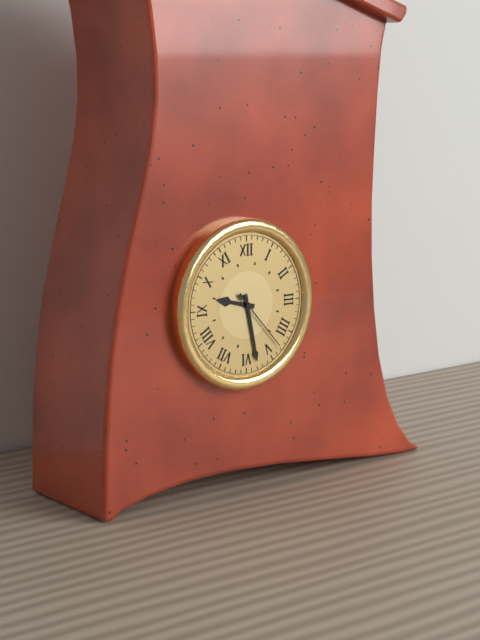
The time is 9:28:23
